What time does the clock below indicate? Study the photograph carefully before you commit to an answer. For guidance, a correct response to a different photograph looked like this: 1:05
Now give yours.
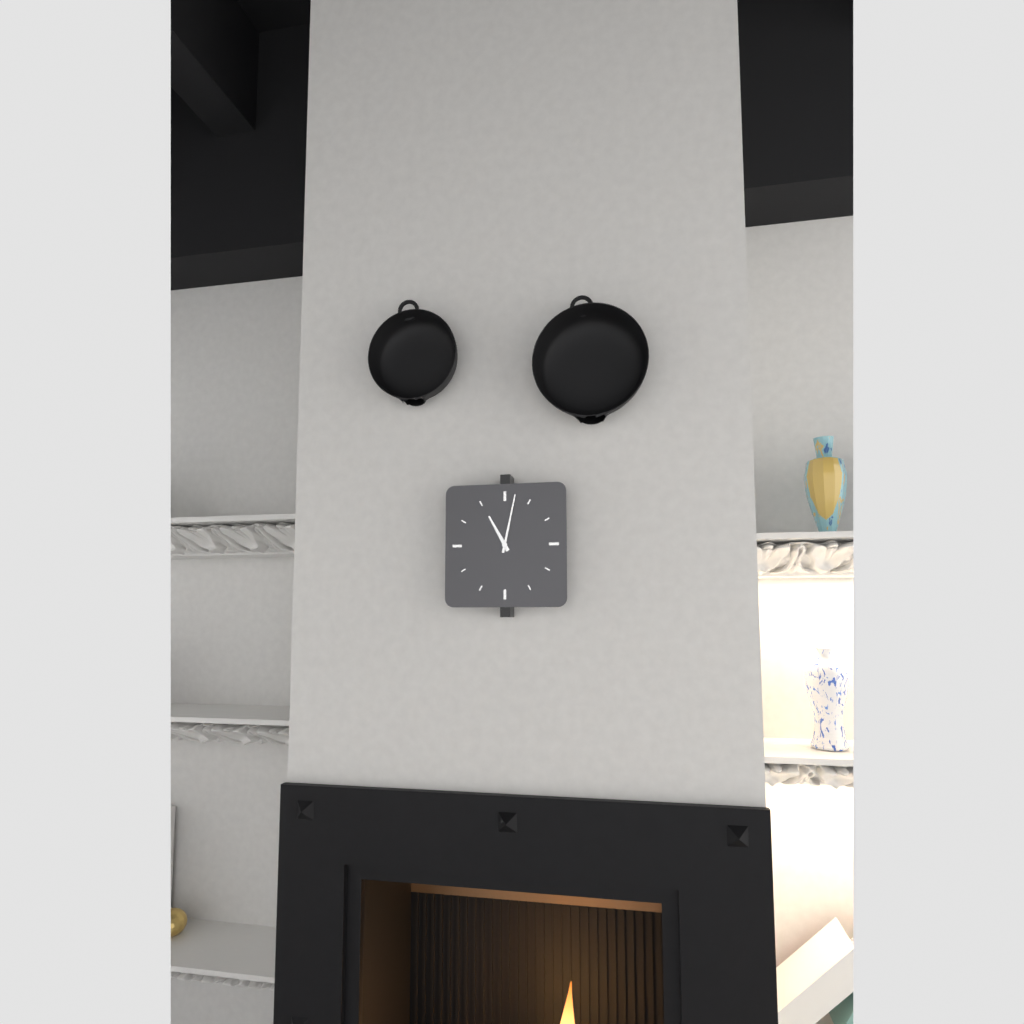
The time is 11:02
